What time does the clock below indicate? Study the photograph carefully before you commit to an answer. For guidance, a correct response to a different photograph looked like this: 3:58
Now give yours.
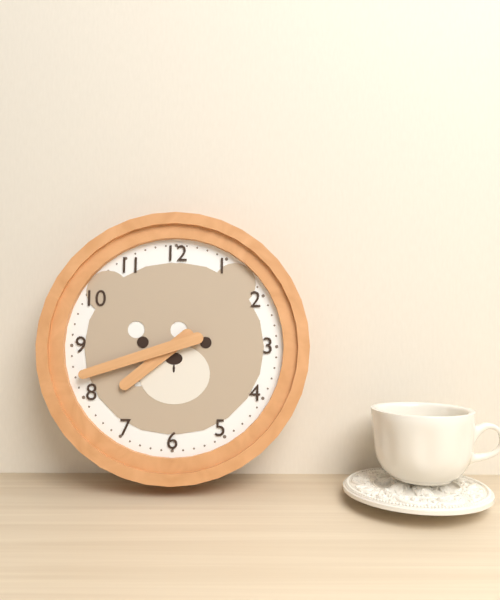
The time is 7:42
